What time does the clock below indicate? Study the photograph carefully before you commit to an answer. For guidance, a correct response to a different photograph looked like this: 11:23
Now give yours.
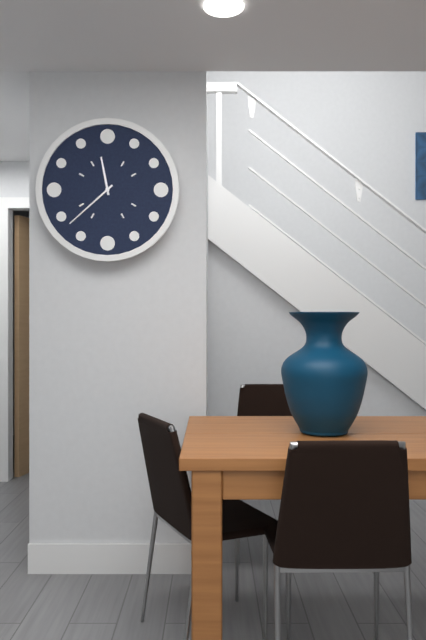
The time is 11:38
